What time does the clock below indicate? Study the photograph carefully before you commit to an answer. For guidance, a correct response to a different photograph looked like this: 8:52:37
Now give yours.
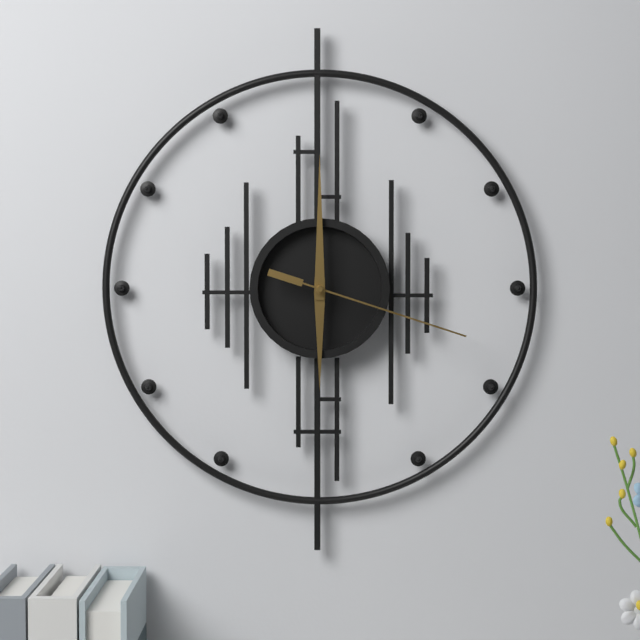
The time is 6:00:18
